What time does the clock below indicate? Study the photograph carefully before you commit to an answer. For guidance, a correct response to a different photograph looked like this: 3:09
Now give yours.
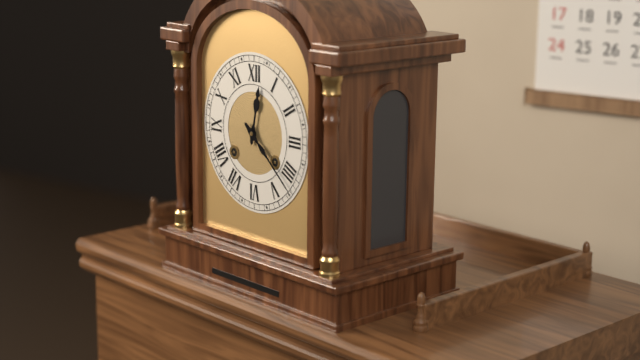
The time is 12:22
